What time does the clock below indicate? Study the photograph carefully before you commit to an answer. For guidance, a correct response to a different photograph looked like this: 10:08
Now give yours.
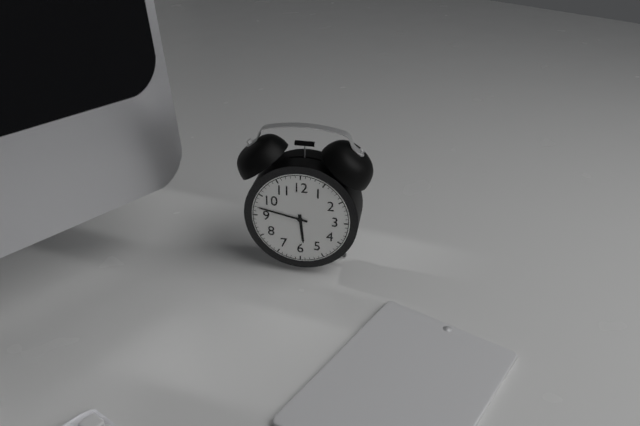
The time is 5:47
